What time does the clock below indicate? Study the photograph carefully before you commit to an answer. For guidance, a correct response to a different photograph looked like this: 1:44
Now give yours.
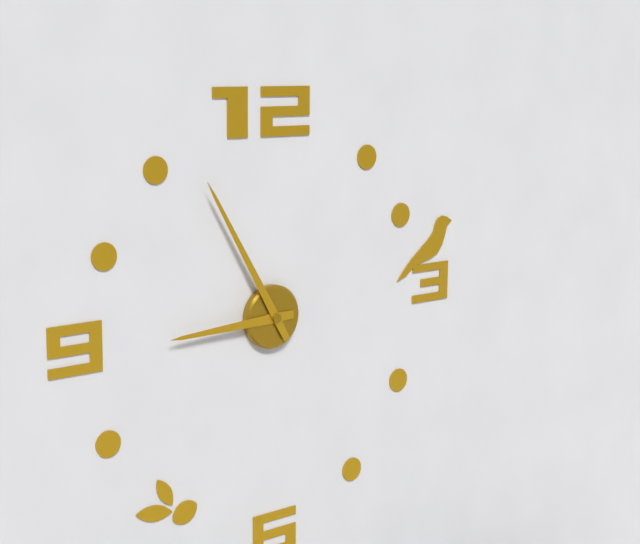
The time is 8:55
